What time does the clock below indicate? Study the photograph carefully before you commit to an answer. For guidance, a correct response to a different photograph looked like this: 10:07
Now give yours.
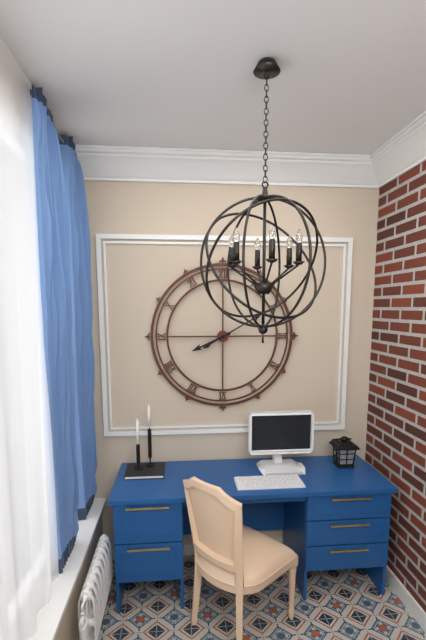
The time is 8:10
